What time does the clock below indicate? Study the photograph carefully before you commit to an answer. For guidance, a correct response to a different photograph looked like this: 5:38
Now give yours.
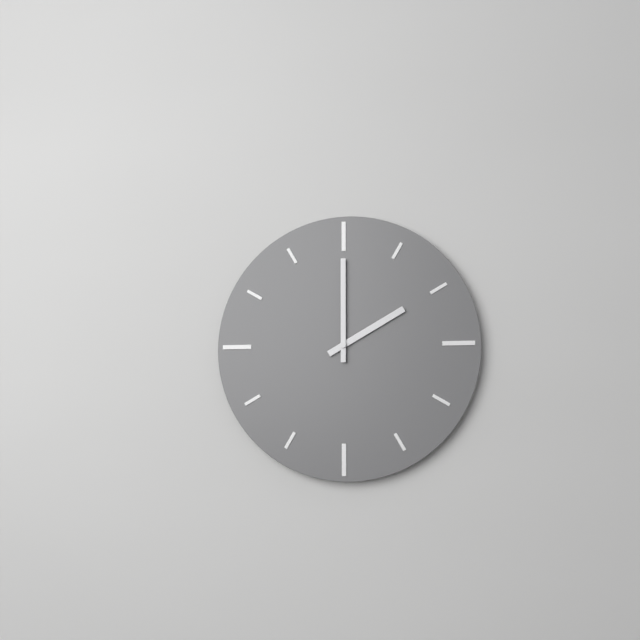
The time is 2:00
